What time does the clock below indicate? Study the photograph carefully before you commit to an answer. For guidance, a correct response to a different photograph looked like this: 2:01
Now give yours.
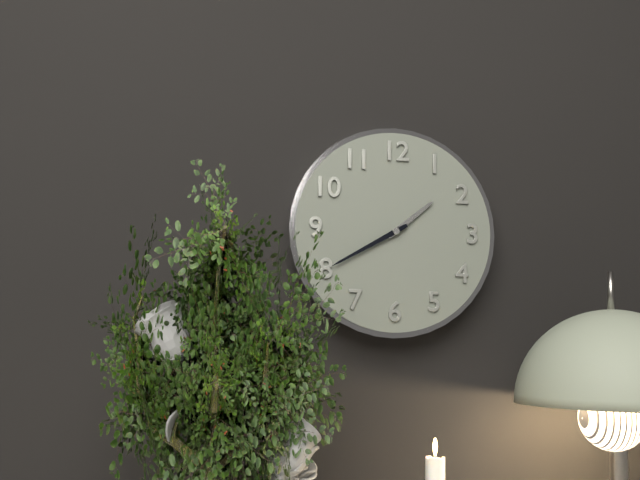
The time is 1:40
